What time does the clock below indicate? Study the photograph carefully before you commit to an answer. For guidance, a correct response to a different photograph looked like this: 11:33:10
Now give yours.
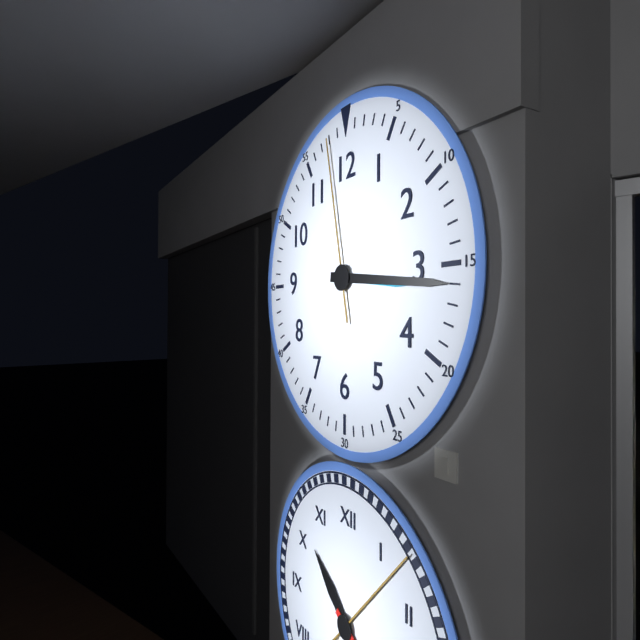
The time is 3:16:58
